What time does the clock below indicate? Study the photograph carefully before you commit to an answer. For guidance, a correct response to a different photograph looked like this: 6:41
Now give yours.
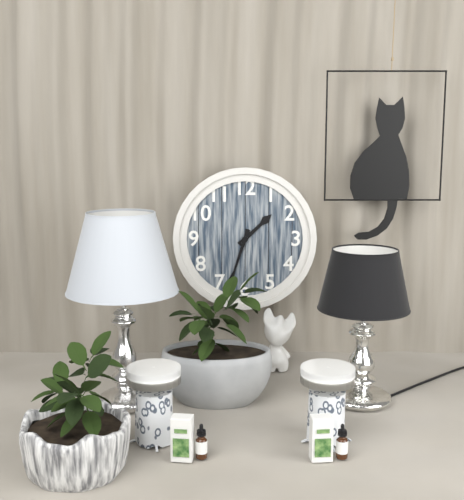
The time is 1:33
